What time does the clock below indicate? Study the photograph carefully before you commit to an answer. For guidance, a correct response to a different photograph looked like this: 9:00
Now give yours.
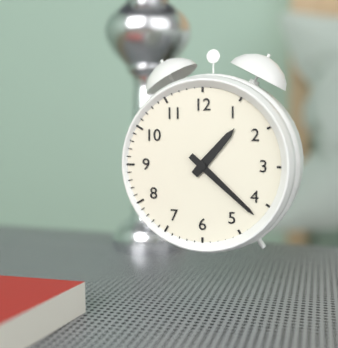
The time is 1:22
